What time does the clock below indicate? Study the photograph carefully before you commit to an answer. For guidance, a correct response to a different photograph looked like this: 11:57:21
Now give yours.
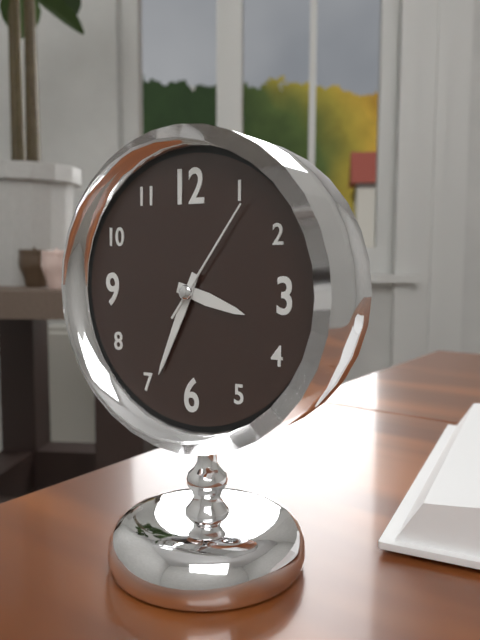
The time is 3:34:06
